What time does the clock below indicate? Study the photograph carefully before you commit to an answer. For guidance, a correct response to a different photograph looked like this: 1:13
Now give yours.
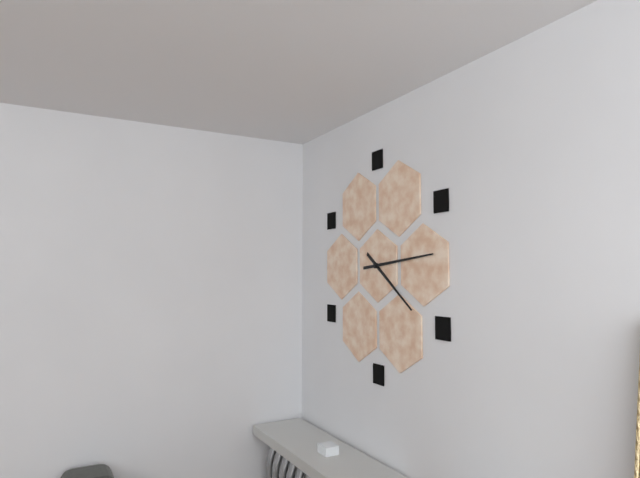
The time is 4:14
